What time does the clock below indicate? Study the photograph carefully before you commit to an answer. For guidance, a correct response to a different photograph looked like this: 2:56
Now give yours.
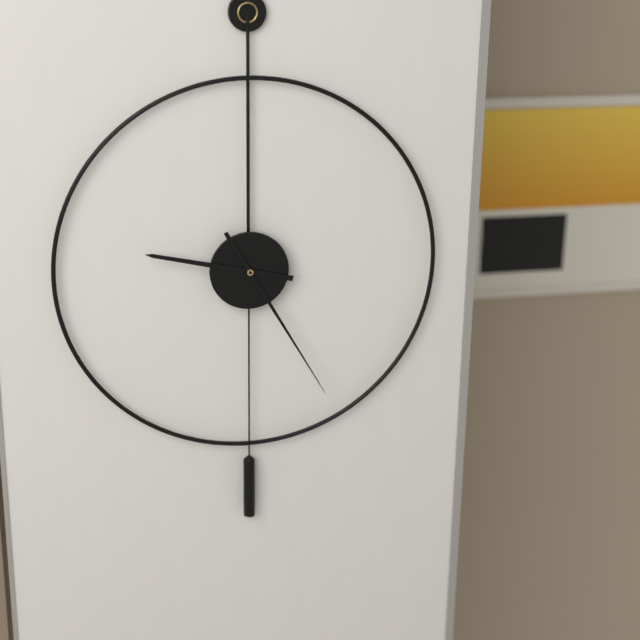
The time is 9:25
